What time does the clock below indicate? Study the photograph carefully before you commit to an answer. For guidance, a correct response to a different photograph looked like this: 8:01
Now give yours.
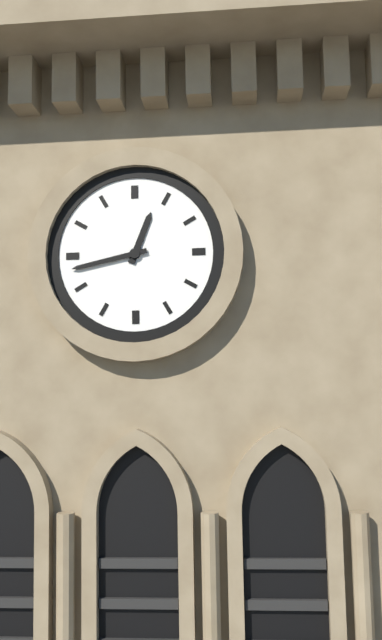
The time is 12:43
